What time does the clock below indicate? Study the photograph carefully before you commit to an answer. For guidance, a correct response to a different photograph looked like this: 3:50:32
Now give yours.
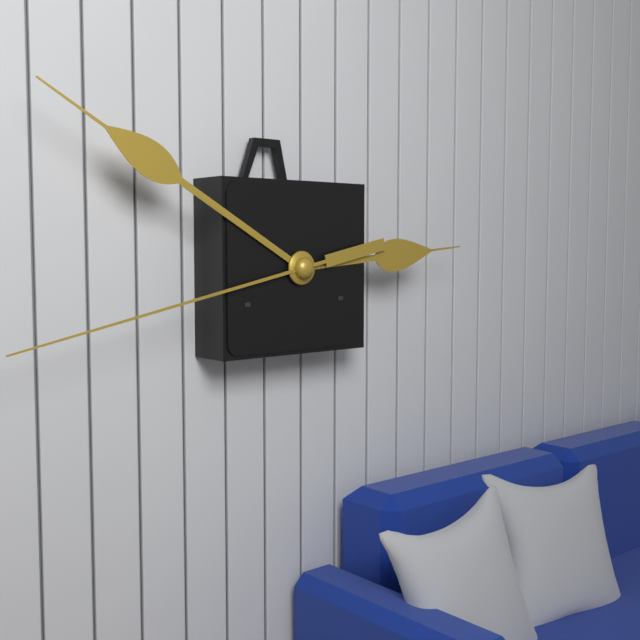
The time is 2:50:43
